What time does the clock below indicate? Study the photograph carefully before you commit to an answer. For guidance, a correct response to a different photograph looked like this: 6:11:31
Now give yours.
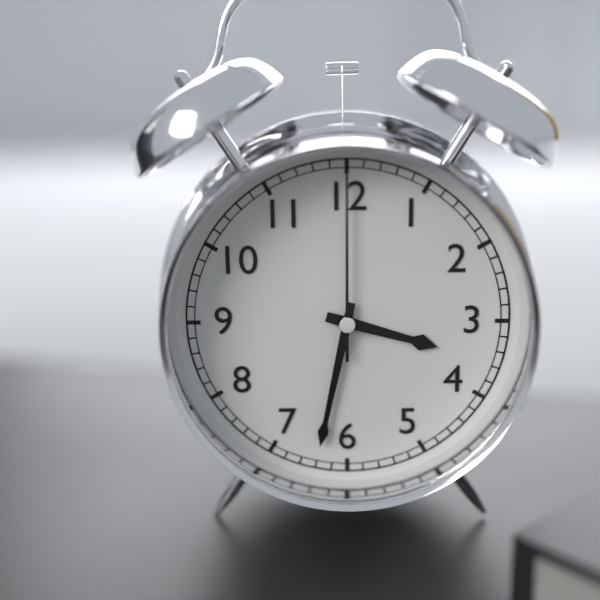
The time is 3:32:00
